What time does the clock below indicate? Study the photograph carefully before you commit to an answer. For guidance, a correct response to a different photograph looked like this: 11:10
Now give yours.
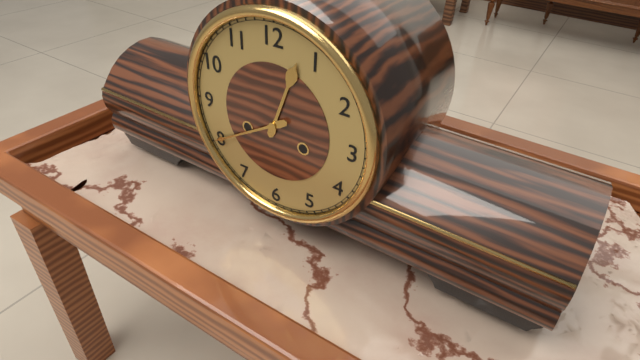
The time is 12:40
